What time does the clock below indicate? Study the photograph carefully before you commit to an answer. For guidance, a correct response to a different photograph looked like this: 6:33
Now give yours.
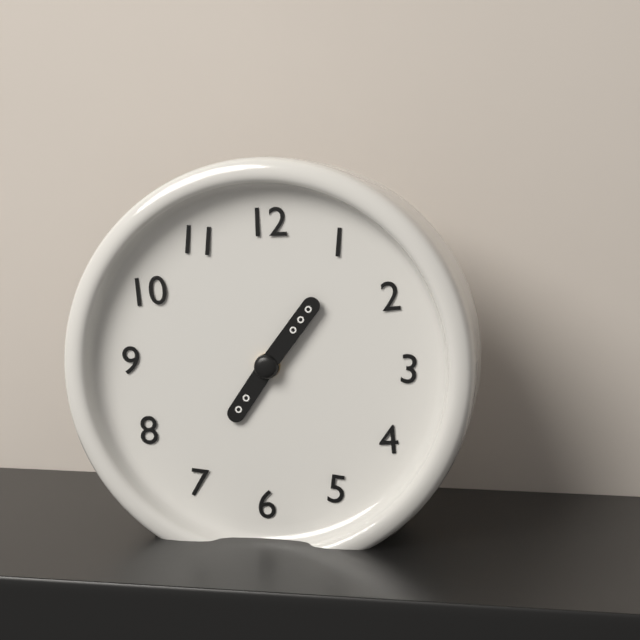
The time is 7:06
